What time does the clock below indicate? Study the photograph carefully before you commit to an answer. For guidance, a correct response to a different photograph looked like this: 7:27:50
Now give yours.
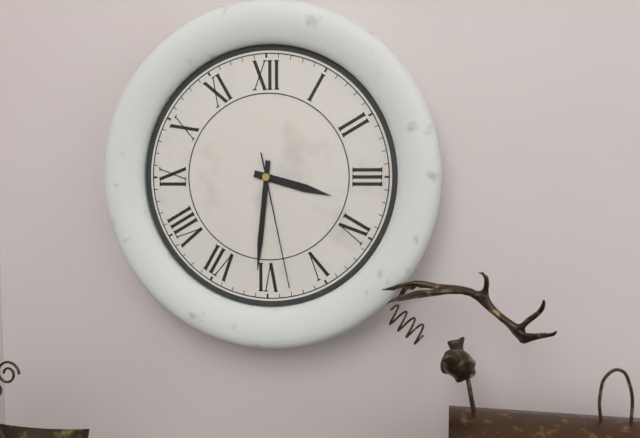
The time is 3:31:28
